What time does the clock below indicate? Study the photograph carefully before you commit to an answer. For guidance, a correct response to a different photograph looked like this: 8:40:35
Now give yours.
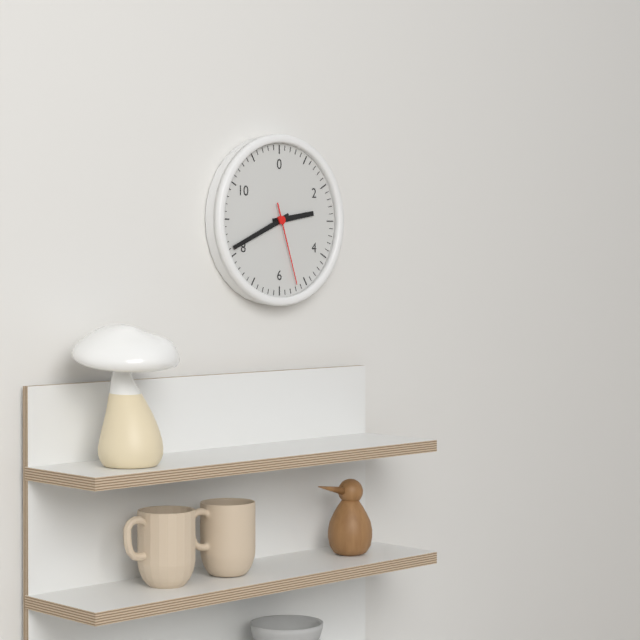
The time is 2:41:27
